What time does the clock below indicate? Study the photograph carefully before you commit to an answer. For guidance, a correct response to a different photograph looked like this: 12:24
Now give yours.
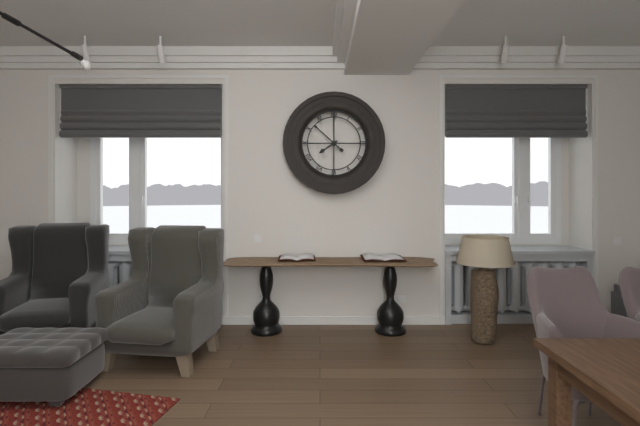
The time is 7:52
